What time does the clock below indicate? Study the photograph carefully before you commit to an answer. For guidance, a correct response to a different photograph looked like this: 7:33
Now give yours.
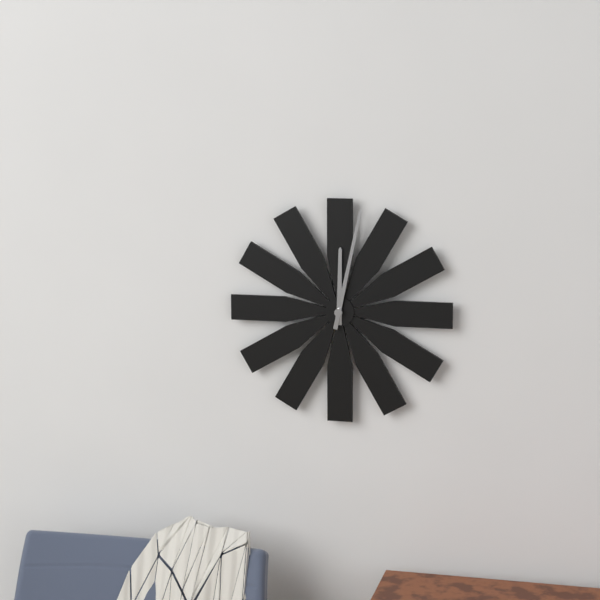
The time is 12:02
